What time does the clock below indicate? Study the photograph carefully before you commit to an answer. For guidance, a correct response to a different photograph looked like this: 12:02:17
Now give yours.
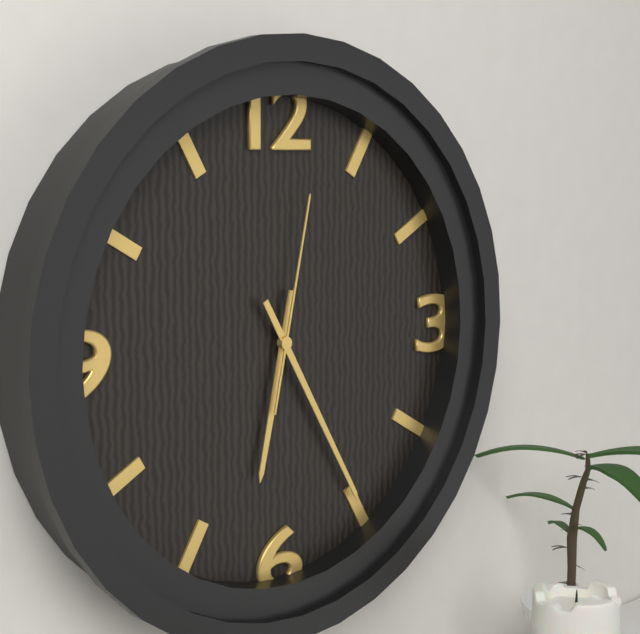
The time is 6:25:02
